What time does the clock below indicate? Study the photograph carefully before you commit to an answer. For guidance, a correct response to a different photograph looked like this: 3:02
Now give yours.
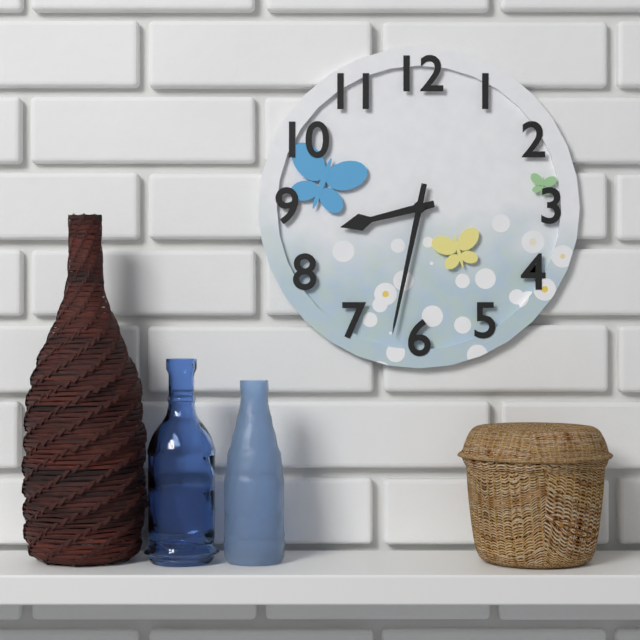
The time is 8:32
